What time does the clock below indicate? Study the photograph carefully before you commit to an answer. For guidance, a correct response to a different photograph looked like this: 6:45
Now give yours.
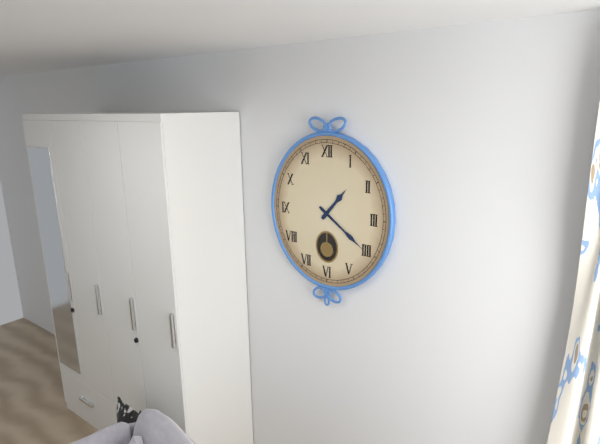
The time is 1:21
